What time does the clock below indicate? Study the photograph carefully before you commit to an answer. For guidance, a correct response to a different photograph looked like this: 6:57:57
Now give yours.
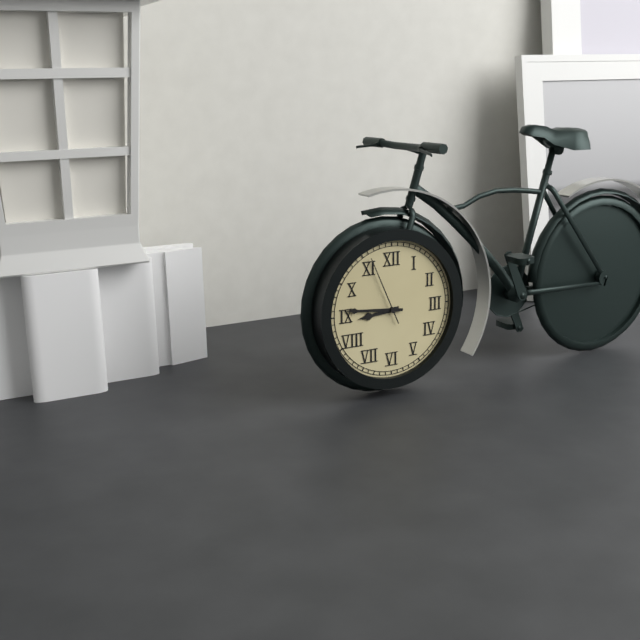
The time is 8:46:56
